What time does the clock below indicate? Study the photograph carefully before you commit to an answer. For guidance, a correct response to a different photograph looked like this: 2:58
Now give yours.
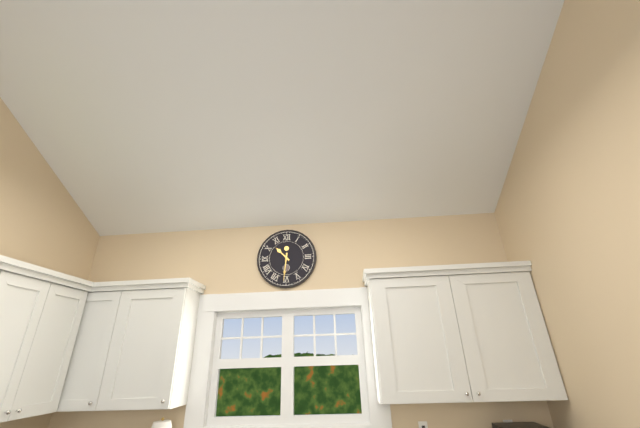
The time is 10:31
